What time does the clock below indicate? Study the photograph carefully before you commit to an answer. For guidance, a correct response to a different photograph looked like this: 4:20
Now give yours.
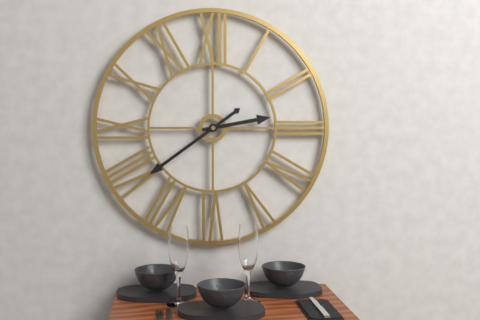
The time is 2:39
